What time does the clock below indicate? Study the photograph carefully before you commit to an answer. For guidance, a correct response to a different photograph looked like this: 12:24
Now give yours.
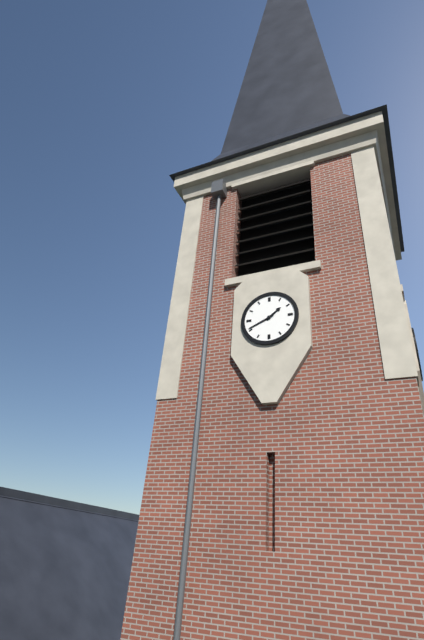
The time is 1:41
